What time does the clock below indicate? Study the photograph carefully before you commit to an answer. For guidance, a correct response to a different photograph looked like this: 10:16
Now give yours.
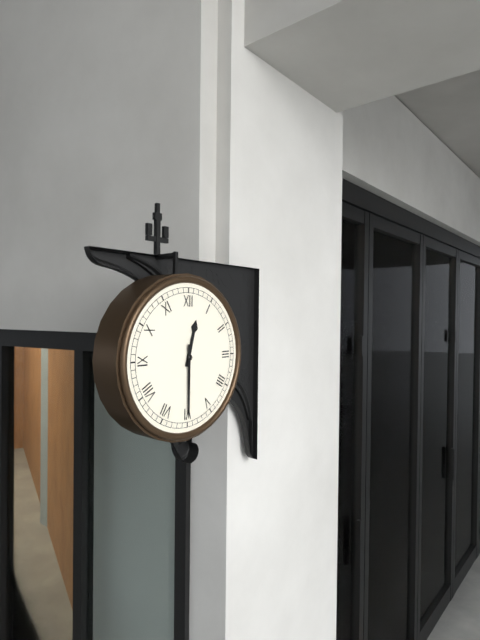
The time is 12:30
